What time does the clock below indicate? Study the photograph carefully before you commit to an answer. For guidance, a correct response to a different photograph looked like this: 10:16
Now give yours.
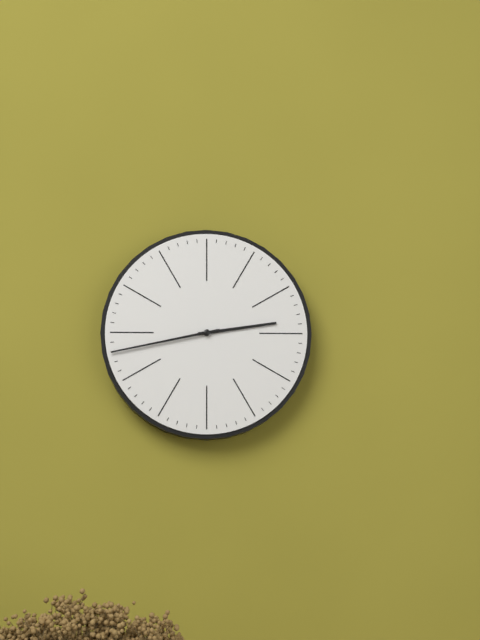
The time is 2:43
